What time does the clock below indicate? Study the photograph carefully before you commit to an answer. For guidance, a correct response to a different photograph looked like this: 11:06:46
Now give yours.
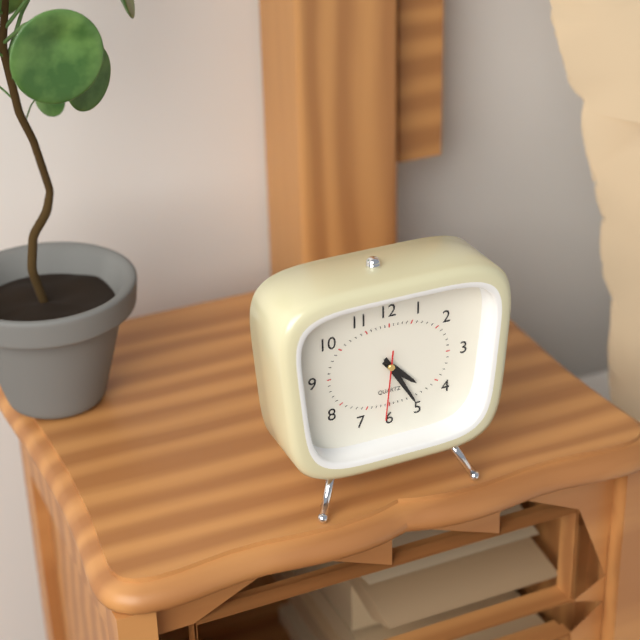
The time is 4:25:31
